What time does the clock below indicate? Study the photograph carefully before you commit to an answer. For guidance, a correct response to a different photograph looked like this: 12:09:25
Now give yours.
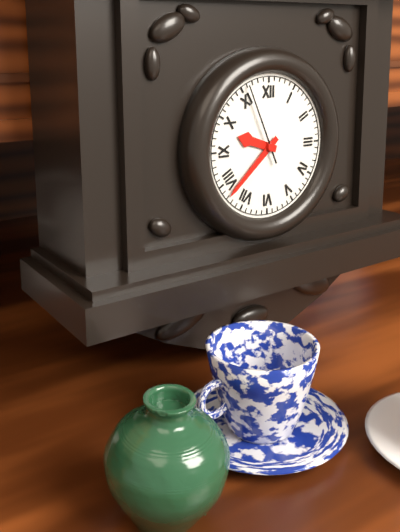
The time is 9:38:56
